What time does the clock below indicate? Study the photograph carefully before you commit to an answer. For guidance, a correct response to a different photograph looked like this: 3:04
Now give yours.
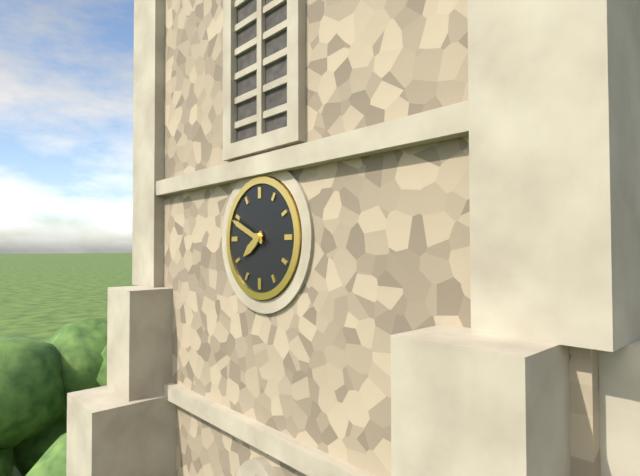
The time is 7:49
